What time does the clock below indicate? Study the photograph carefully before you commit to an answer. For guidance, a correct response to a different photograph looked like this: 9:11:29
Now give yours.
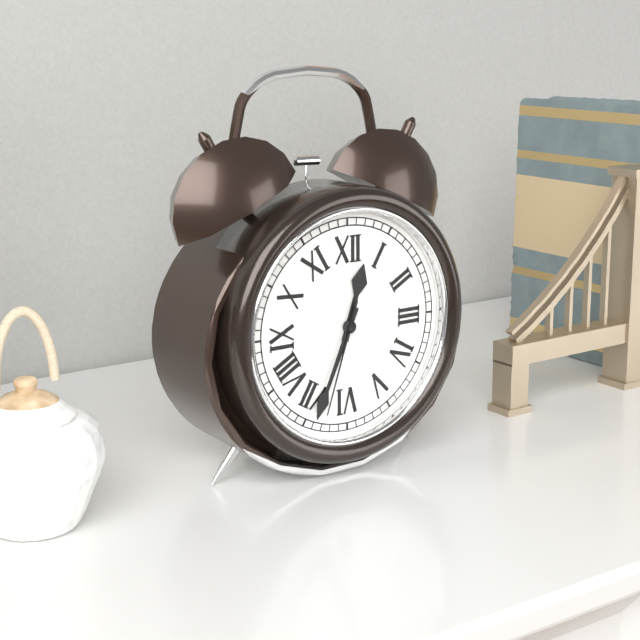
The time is 12:34:33
